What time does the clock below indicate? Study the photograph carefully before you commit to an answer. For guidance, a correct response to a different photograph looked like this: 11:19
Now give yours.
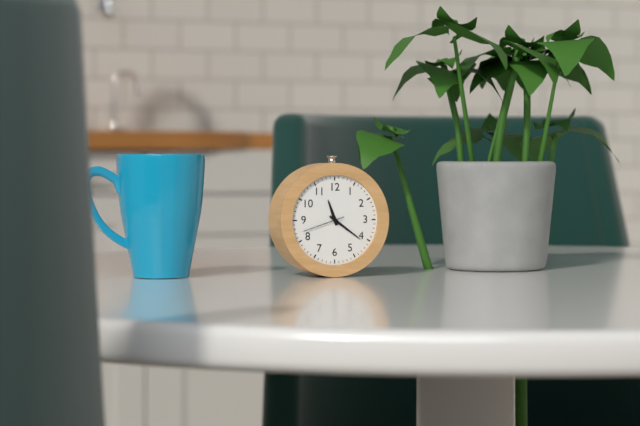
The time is 11:21
